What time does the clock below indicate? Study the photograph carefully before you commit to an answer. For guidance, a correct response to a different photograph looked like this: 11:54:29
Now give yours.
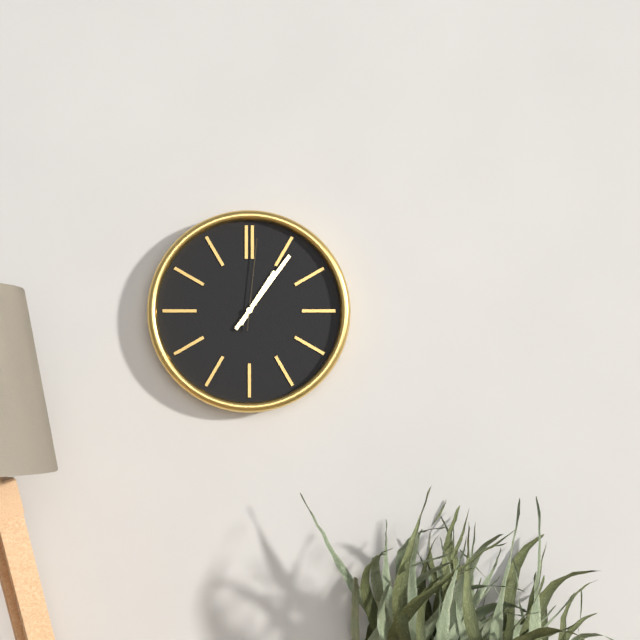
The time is 1:06:01
